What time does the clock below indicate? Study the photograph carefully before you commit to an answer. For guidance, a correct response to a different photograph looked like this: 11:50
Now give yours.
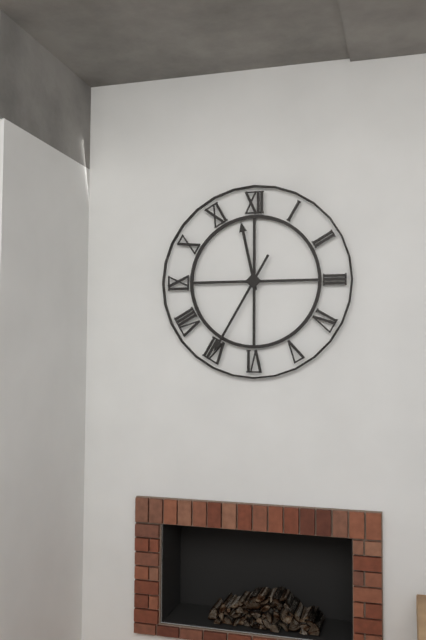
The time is 11:35
